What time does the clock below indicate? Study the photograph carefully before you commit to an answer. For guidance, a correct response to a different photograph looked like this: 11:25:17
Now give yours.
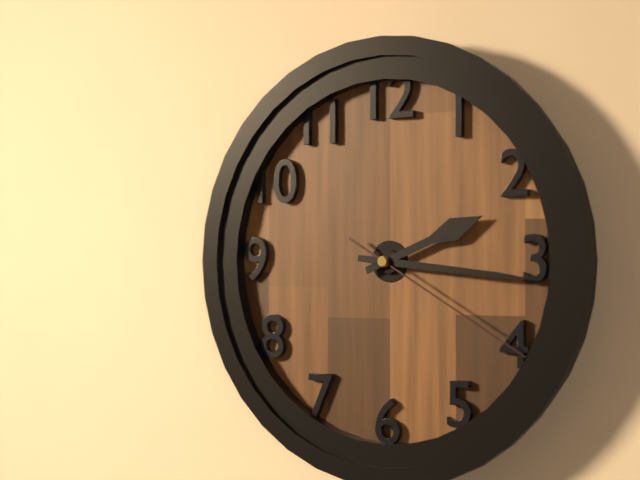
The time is 2:16:20
